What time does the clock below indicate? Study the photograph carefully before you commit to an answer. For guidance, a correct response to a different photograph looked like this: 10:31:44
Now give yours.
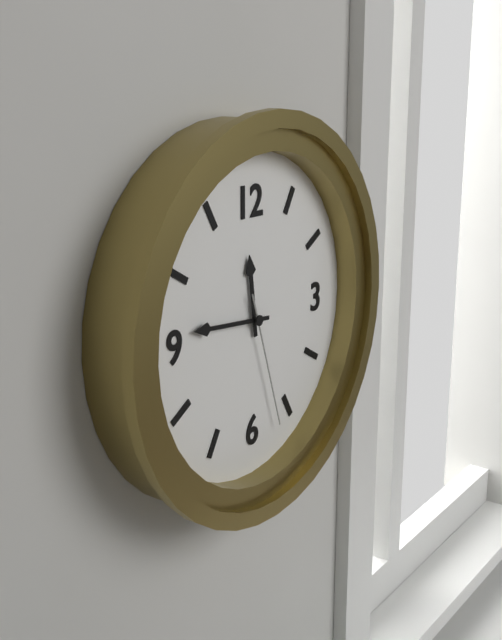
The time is 11:46:27
